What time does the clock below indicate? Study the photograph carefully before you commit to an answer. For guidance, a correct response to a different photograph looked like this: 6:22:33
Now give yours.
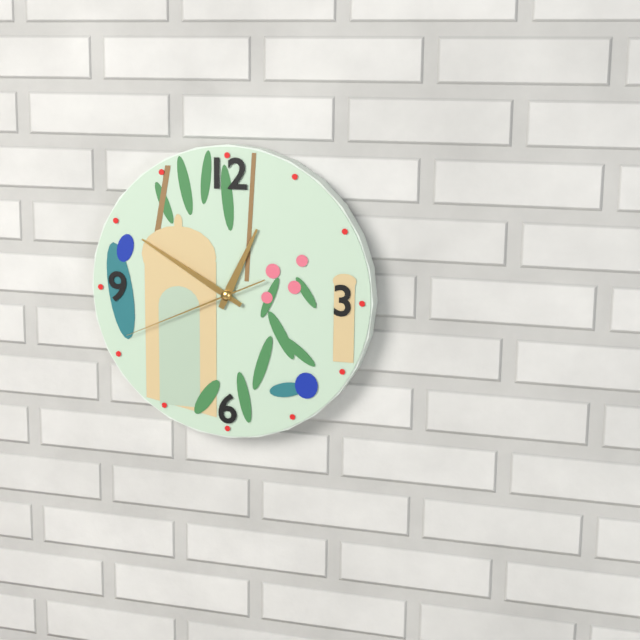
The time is 12:50:41
